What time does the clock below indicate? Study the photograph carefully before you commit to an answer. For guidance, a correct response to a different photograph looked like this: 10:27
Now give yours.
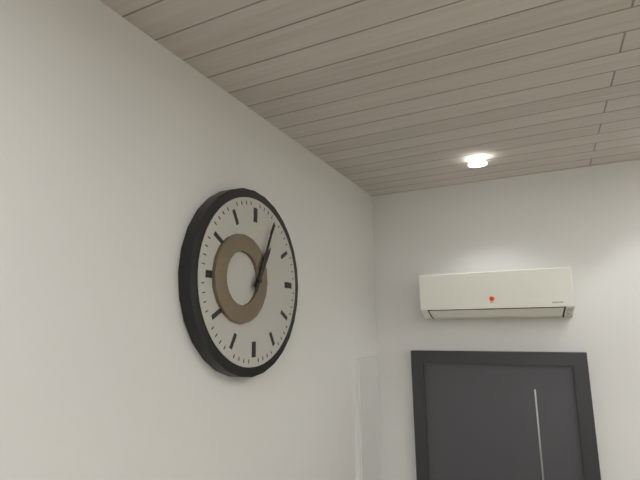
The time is 1:04
